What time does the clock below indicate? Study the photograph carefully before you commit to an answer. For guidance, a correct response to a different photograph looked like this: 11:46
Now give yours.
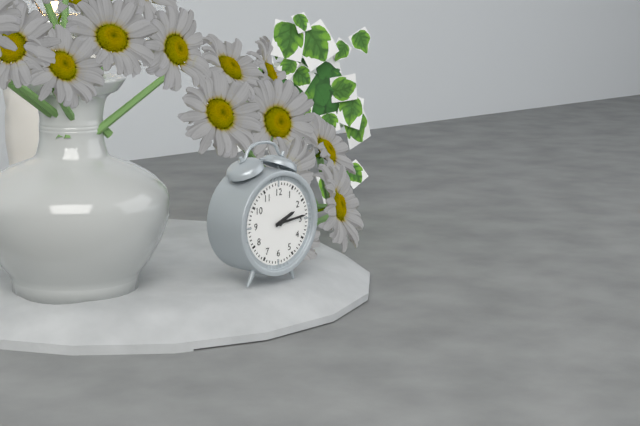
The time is 2:14
